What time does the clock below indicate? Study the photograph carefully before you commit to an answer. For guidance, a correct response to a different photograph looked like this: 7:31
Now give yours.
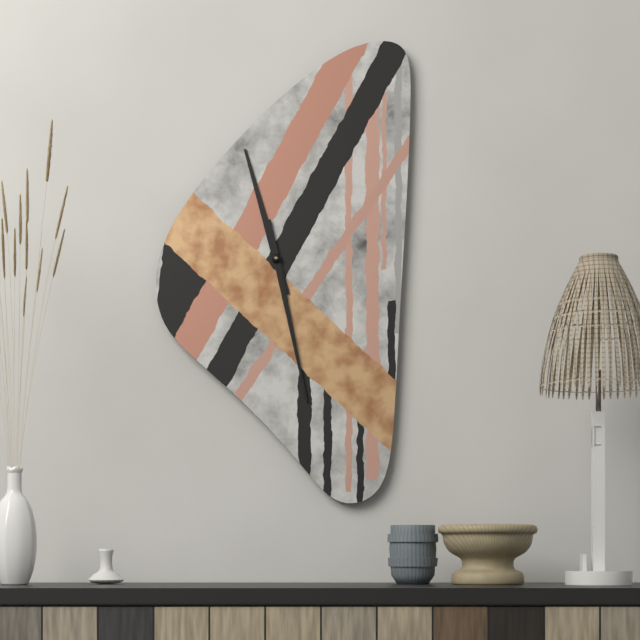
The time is 11:28
